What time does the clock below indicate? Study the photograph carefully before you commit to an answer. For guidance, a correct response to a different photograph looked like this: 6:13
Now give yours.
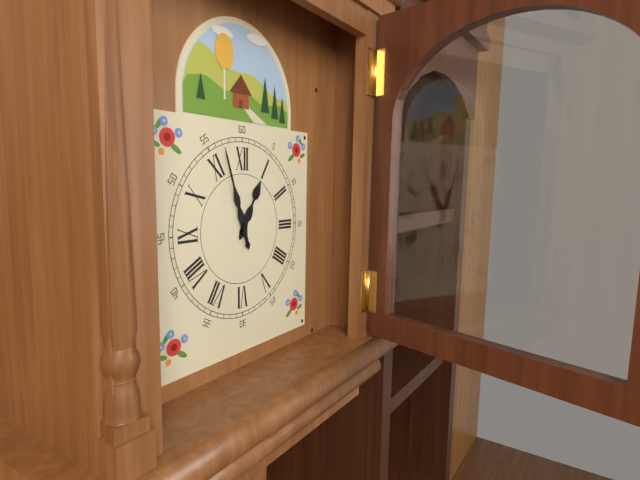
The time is 12:57
